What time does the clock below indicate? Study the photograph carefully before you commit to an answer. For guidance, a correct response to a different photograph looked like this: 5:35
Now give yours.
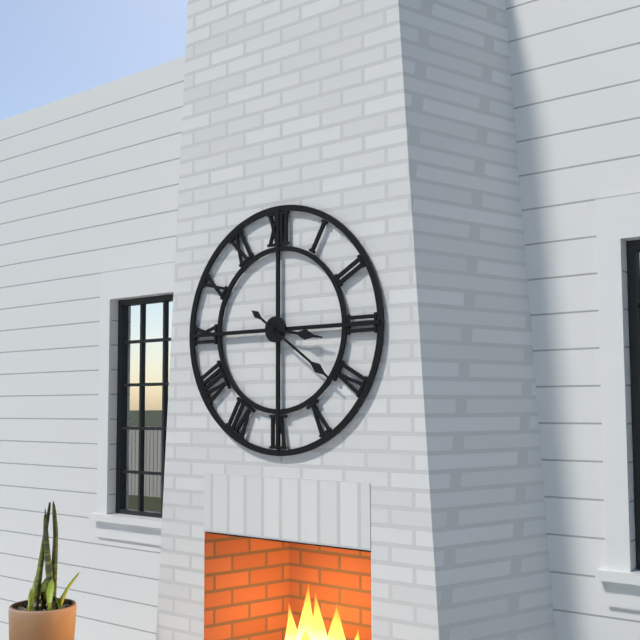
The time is 3:21
